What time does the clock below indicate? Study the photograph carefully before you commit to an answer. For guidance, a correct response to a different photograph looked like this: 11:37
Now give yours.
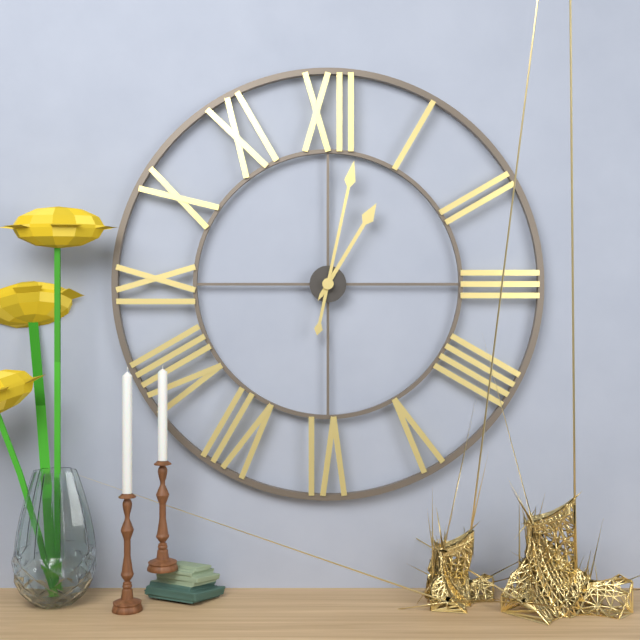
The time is 1:02
